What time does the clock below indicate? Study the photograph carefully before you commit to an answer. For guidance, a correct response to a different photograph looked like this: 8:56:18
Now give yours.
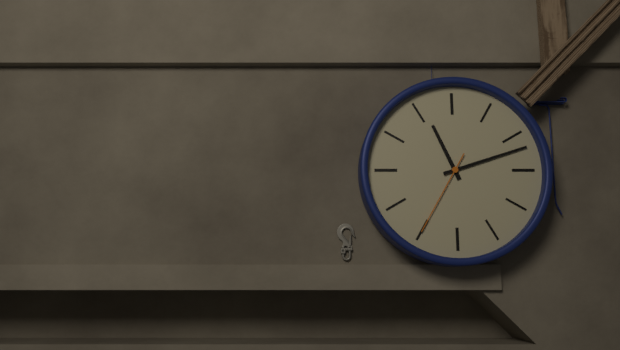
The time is 11:12:35
